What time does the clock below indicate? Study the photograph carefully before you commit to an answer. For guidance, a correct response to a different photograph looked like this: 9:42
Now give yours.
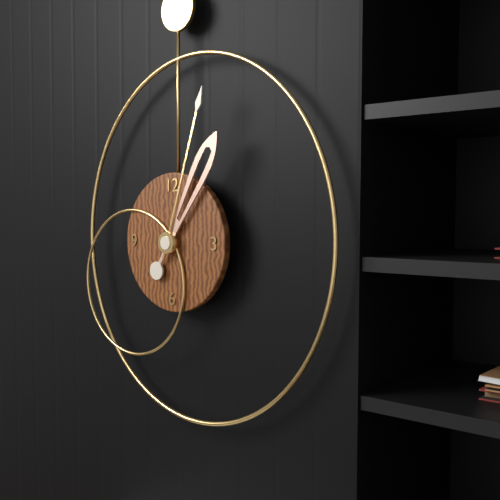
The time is 1:03
